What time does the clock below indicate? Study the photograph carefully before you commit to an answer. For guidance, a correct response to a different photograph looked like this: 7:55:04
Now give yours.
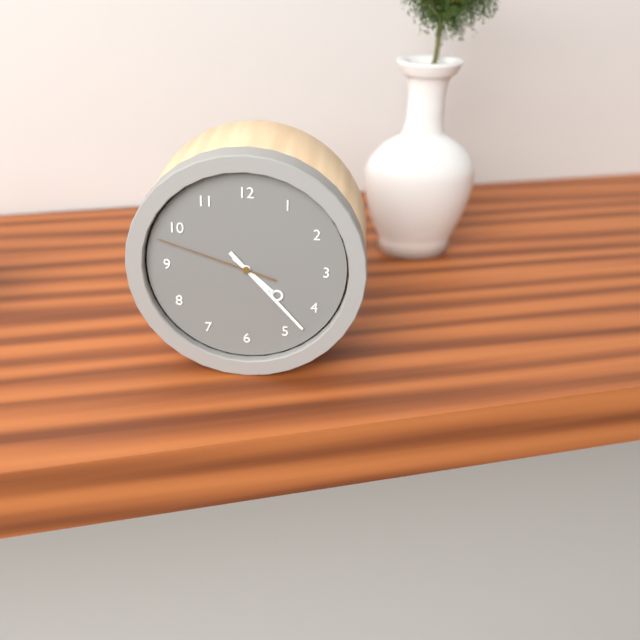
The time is 4:23:48
